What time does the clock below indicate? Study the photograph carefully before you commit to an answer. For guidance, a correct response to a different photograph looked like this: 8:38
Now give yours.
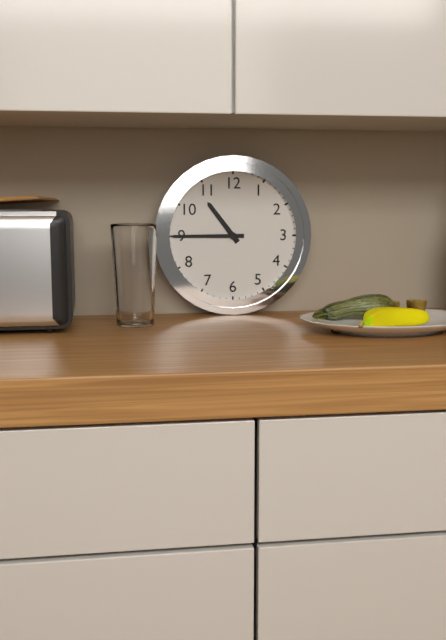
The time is 10:45
